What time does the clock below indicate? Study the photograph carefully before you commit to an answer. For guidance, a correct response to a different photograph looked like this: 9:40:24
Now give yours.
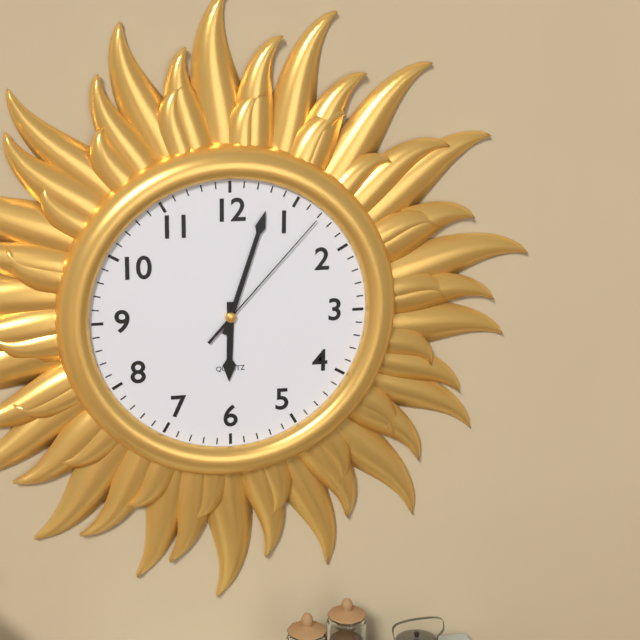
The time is 6:03:07
